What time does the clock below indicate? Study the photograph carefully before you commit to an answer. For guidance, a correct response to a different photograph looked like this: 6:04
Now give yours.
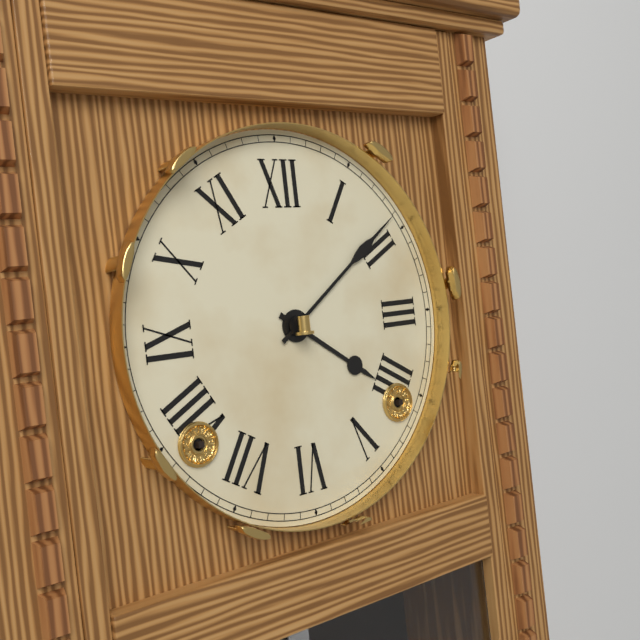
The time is 4:09
